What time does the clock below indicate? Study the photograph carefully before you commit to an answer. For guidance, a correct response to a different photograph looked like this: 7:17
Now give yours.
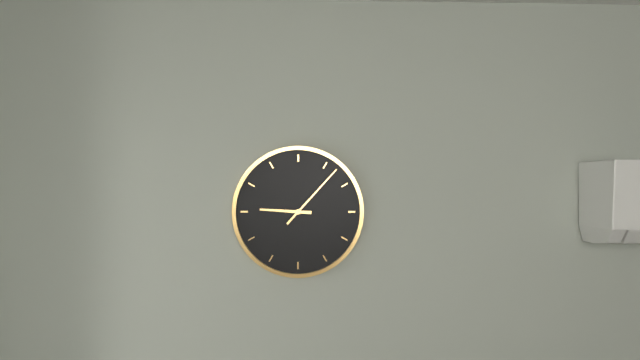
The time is 9:07
